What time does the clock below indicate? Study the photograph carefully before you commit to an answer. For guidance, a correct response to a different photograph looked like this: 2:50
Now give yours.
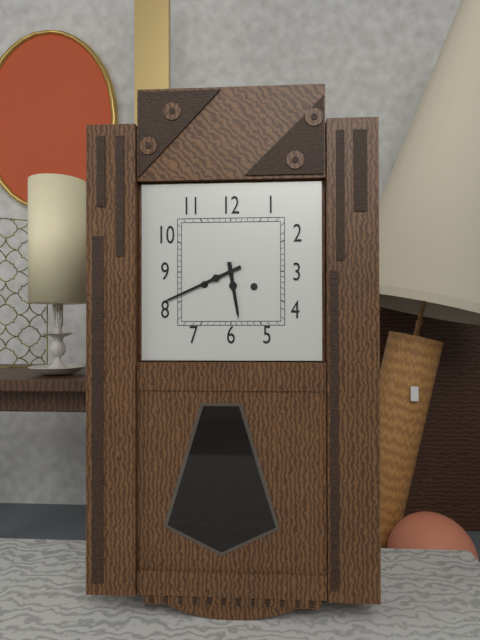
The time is 5:41
